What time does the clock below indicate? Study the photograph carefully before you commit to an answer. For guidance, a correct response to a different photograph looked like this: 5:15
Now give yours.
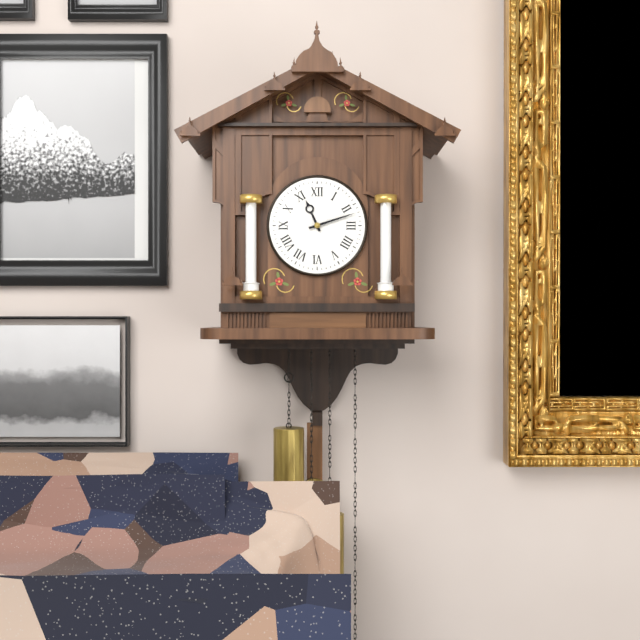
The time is 11:12
